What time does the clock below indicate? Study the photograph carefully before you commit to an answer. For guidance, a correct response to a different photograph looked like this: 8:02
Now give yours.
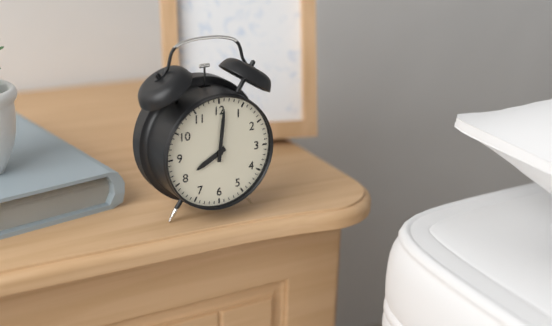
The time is 8:01
